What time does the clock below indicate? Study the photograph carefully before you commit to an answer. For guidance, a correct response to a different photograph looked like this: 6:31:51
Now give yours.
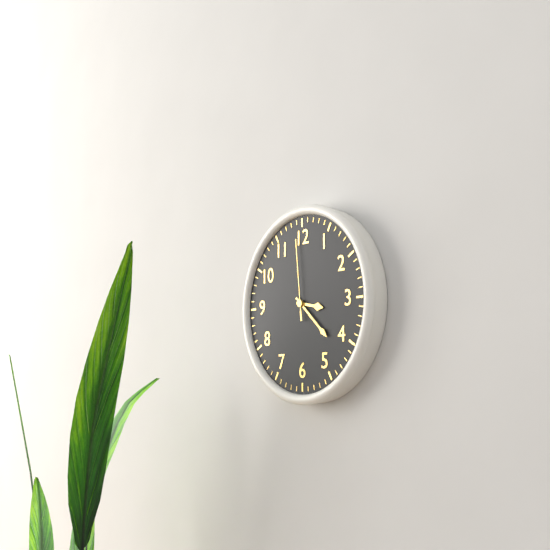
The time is 3:22:59
